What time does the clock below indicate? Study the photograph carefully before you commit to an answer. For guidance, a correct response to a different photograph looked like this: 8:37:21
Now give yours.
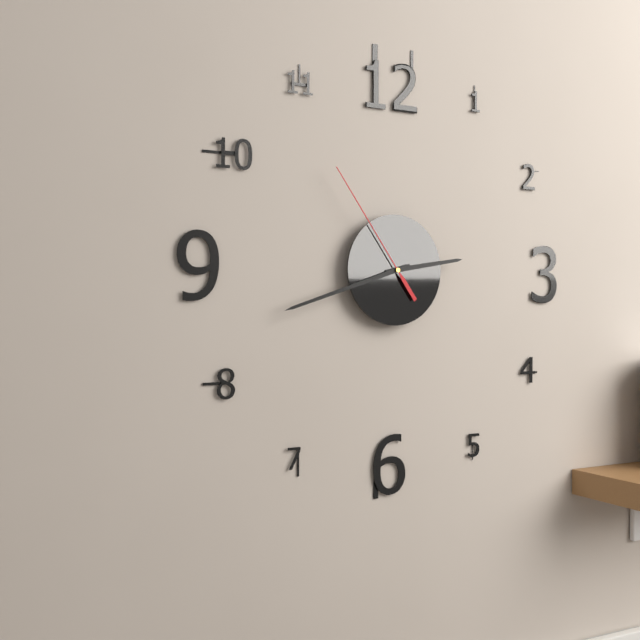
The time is 2:42:54
